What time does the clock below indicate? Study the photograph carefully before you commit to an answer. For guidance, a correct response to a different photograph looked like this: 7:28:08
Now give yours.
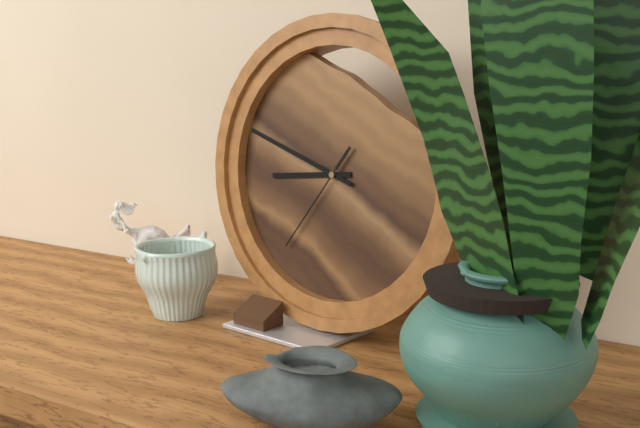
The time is 8:48:36
